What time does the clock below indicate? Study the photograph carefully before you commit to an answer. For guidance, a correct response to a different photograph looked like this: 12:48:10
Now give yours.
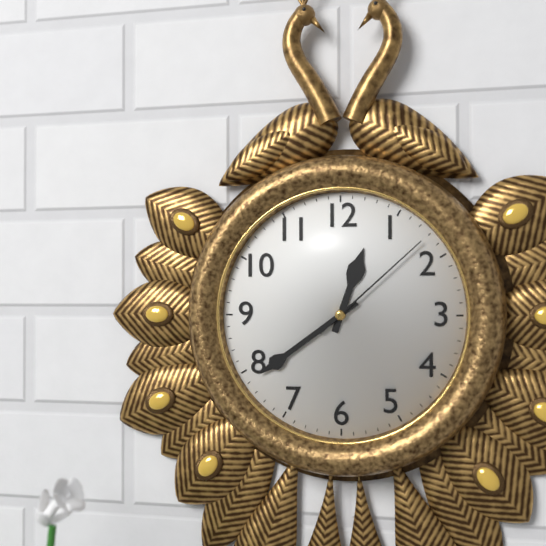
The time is 12:39:08
